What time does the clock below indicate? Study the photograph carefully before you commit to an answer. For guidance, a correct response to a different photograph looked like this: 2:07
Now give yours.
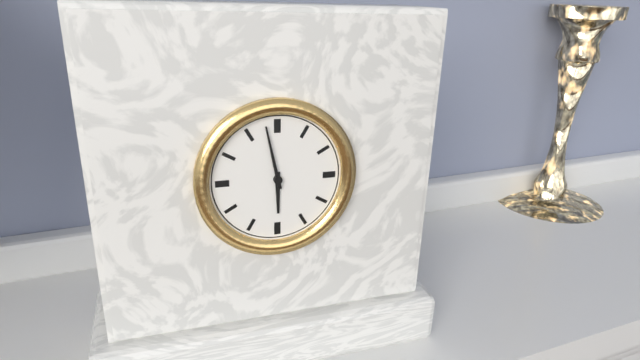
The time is 5:58
